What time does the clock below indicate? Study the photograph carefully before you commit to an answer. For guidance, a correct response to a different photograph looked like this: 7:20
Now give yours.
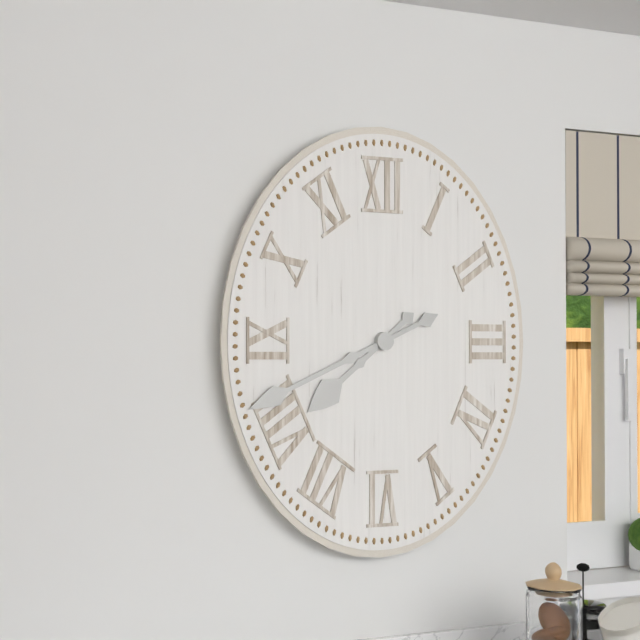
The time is 7:41
